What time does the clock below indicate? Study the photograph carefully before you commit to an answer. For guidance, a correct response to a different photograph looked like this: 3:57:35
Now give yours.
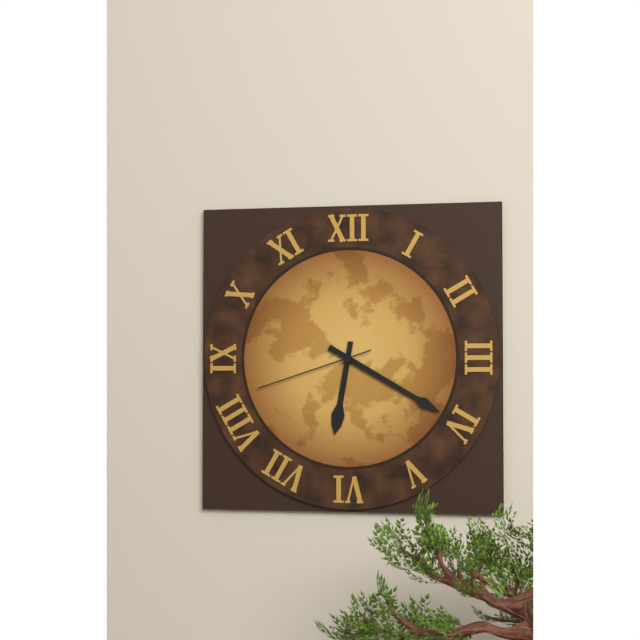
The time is 6:20:42
